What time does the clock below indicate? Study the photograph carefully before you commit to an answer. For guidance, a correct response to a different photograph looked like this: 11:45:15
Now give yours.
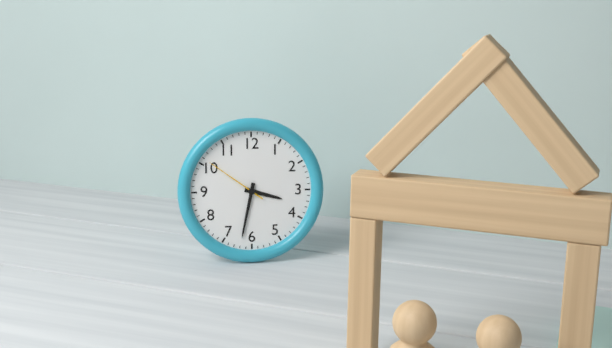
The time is 3:32:51
